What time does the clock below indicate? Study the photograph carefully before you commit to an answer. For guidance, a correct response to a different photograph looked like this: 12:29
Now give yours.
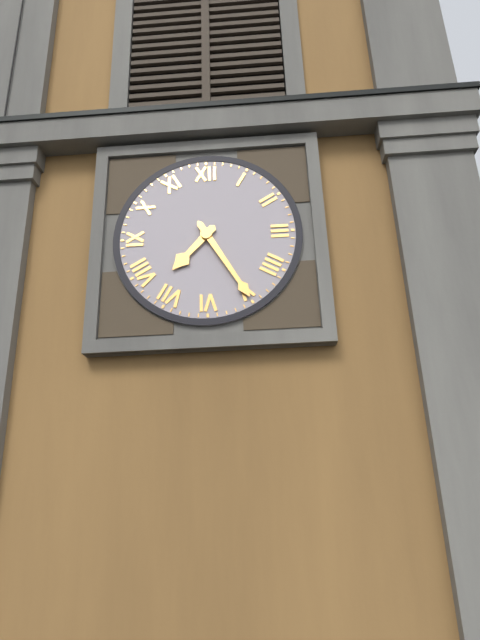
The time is 7:25
